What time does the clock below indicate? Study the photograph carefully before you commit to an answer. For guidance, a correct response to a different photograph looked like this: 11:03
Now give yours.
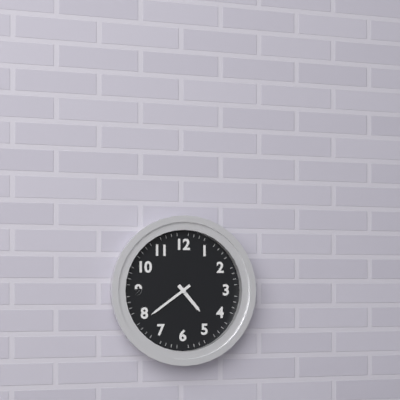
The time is 4:39
